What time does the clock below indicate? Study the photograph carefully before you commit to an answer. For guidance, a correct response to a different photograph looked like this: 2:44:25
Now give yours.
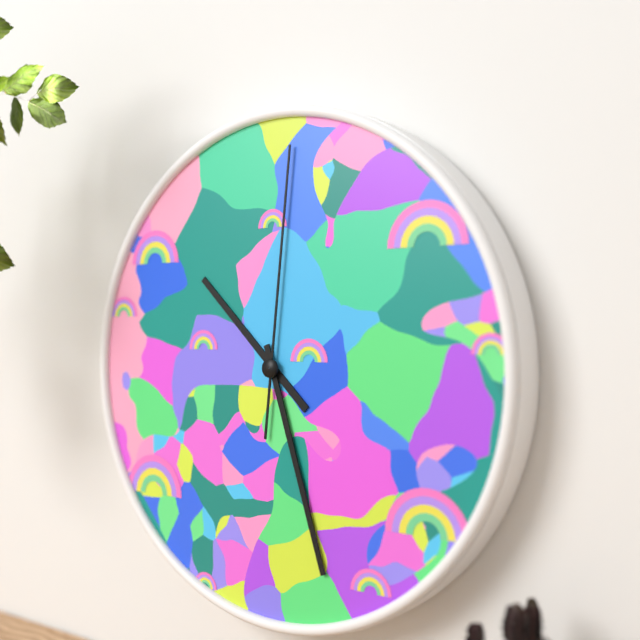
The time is 10:27:01
